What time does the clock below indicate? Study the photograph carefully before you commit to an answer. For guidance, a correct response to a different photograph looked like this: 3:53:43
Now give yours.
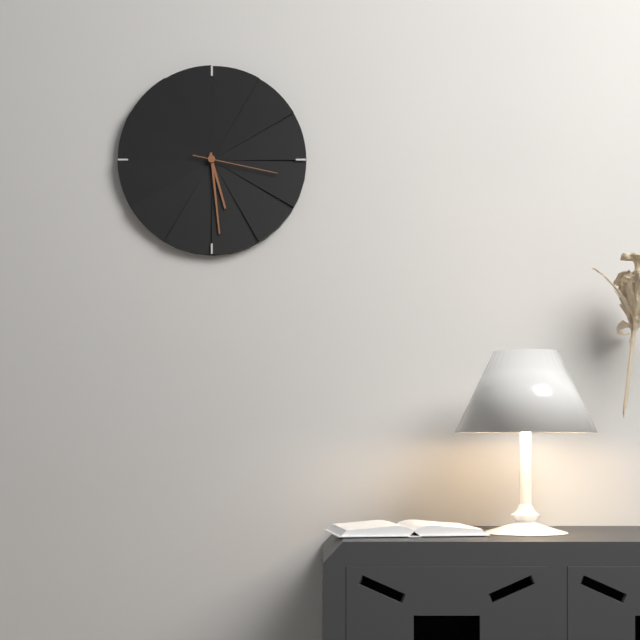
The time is 5:29:17
